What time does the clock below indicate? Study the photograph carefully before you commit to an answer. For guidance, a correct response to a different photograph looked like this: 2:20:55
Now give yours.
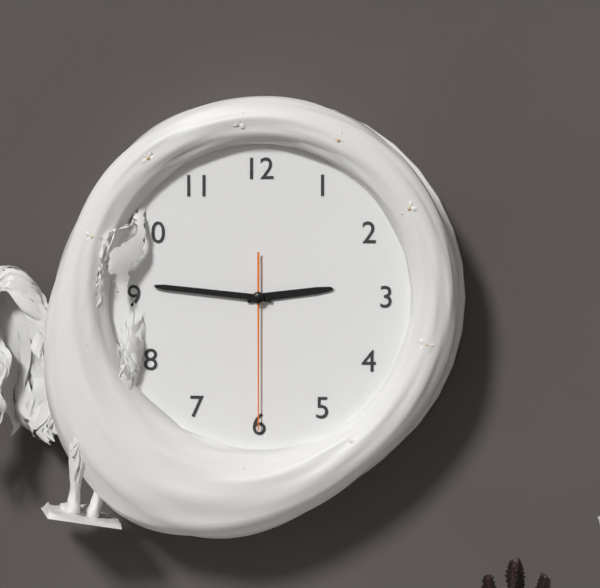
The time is 2:46:30
